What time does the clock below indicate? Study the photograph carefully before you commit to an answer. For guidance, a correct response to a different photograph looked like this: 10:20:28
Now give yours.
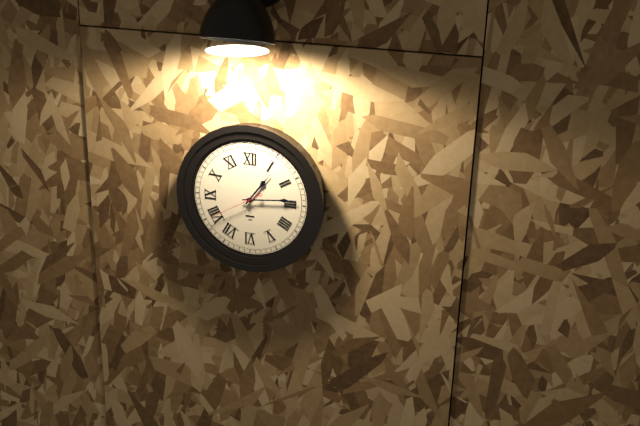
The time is 1:14:40
